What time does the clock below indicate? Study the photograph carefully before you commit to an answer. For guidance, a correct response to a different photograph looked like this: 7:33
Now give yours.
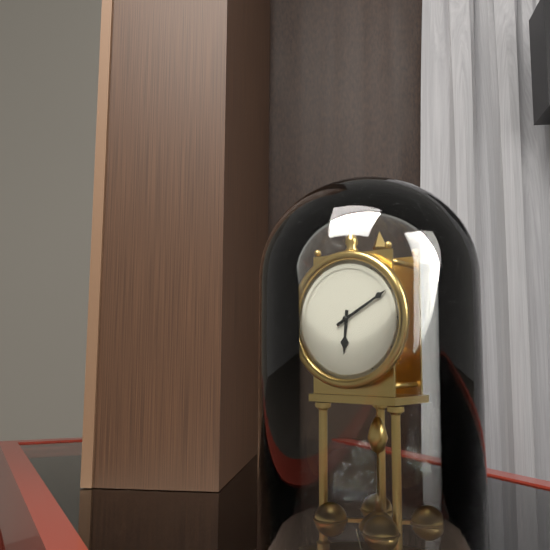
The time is 6:10
